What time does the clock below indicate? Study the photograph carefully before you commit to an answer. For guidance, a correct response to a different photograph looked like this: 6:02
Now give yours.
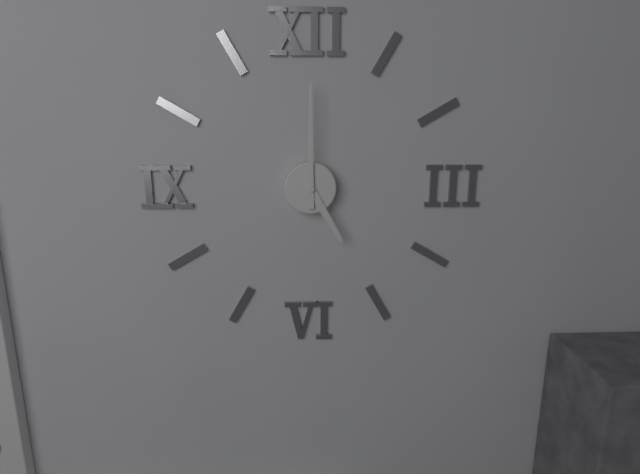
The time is 5:00
